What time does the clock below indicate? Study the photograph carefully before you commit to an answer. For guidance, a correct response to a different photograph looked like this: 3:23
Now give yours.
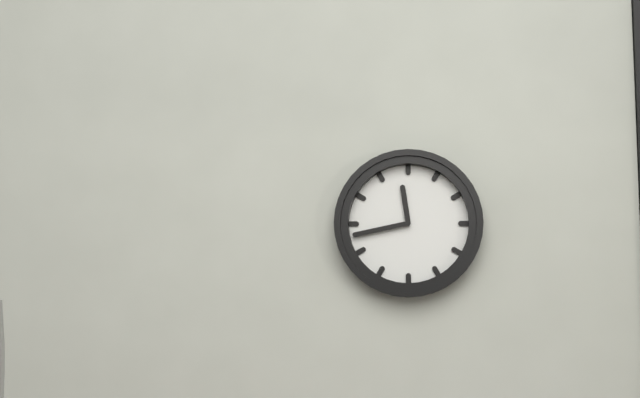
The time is 11:43
